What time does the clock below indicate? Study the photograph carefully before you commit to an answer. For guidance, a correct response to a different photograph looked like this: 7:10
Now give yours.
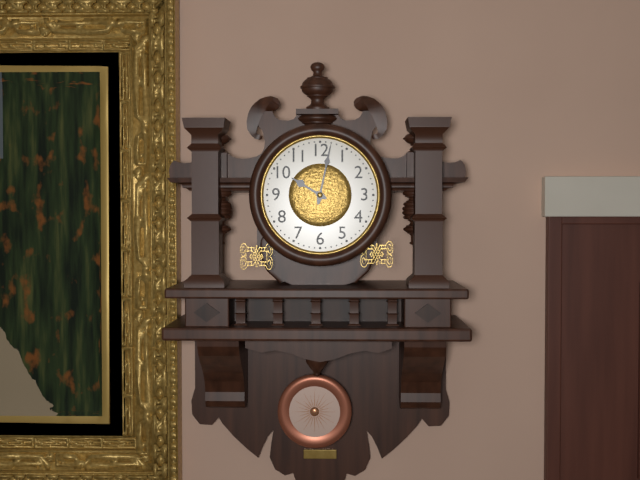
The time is 10:02
